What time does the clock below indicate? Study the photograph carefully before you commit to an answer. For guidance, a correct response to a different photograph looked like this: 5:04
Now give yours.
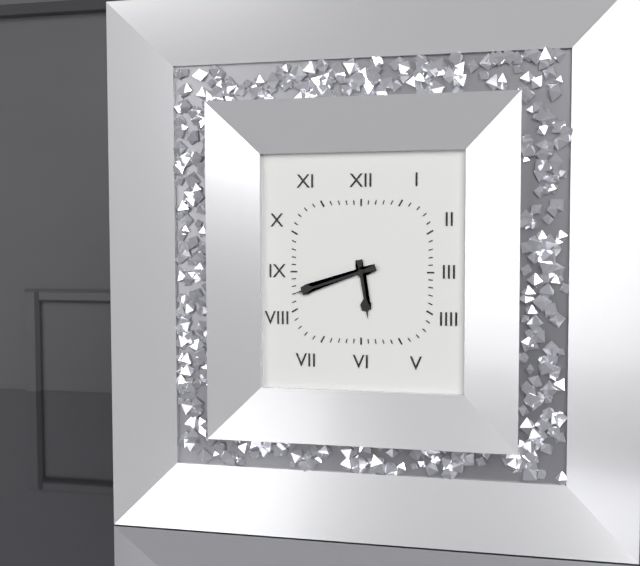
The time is 5:42
